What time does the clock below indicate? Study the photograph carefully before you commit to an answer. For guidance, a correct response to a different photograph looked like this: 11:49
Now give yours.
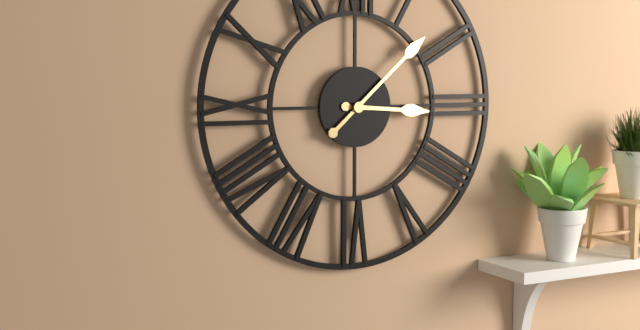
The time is 3:08
